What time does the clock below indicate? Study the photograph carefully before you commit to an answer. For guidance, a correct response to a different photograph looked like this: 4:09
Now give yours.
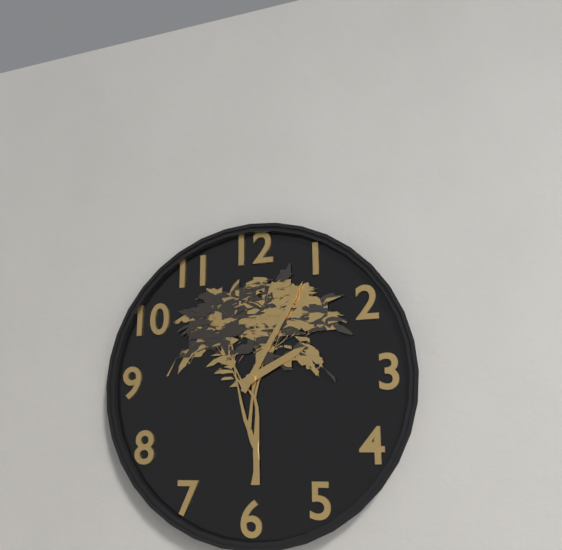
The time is 2:05
